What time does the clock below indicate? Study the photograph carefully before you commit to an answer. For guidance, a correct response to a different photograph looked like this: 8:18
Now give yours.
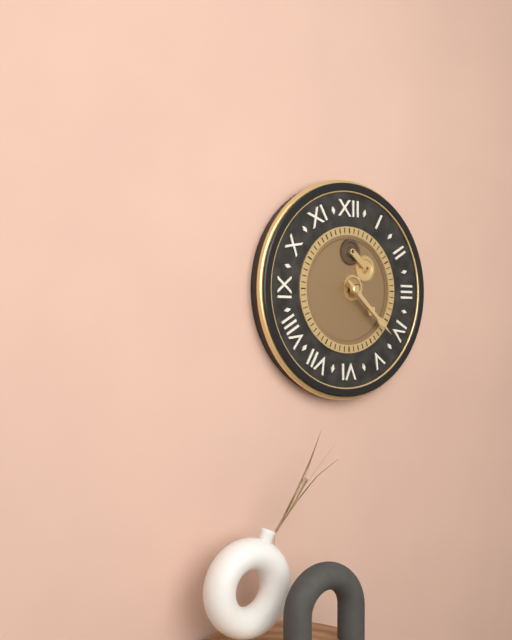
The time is 4:22
